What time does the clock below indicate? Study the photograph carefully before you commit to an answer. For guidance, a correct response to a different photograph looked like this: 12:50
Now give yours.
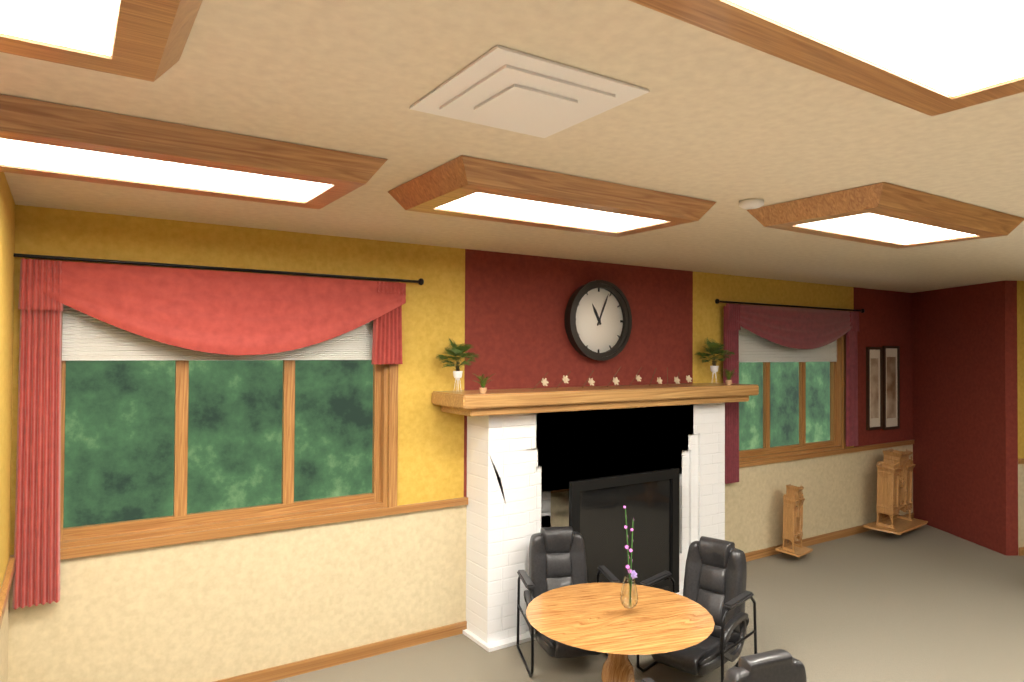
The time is 11:04
